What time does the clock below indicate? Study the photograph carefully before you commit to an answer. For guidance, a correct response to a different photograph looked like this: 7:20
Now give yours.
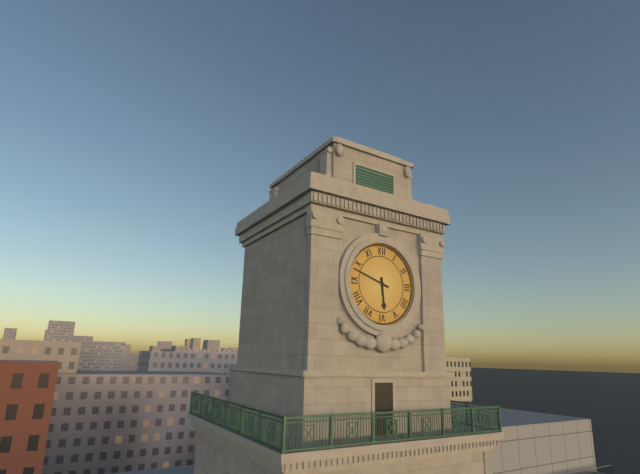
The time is 5:48
